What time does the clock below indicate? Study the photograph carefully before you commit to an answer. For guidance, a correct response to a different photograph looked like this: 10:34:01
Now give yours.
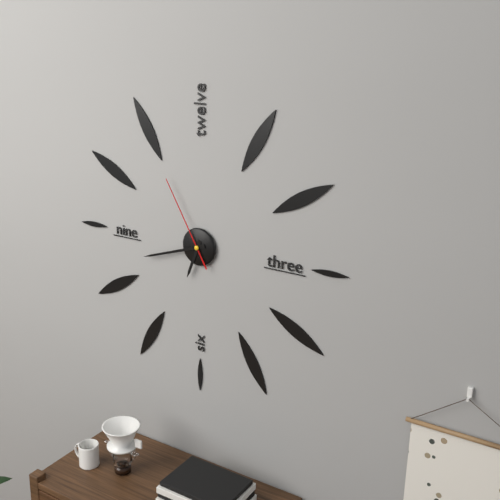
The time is 6:42:55
